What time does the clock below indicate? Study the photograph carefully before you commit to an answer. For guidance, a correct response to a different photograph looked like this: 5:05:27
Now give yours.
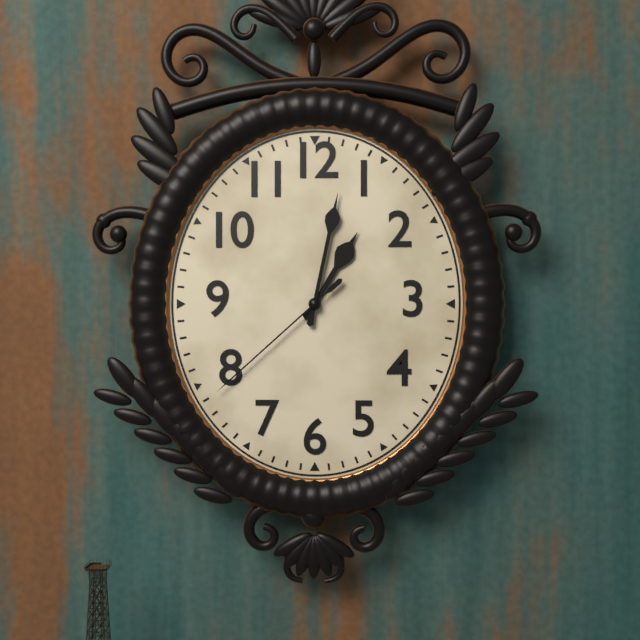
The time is 1:02:38
